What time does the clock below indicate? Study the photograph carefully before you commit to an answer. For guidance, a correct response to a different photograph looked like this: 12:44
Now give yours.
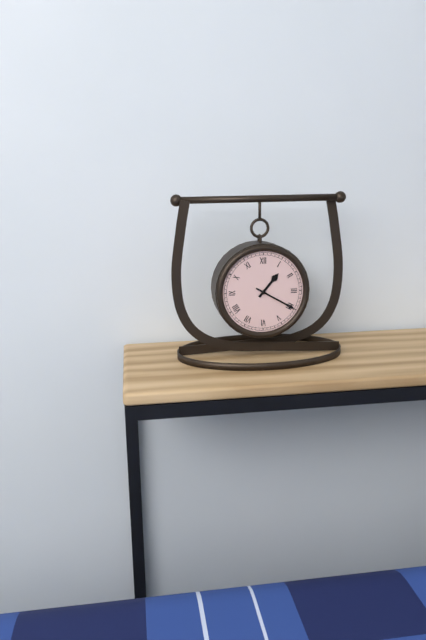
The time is 1:20
